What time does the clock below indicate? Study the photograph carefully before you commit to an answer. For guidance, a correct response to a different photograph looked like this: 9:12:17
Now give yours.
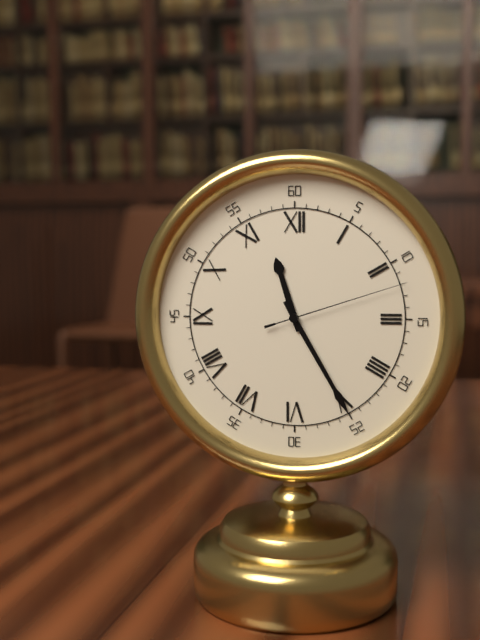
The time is 11:25:12
